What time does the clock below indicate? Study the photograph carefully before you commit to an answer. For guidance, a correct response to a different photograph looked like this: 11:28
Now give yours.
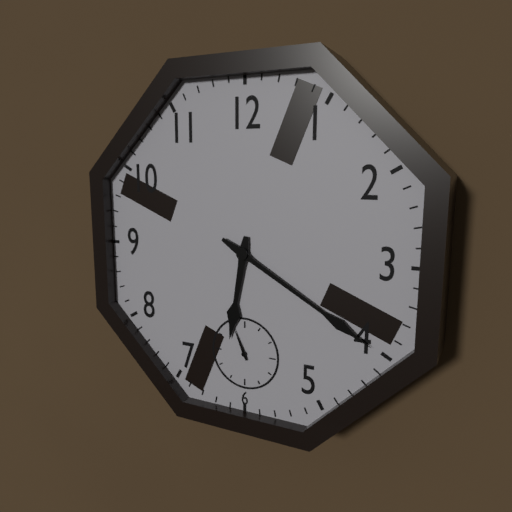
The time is 6:20
